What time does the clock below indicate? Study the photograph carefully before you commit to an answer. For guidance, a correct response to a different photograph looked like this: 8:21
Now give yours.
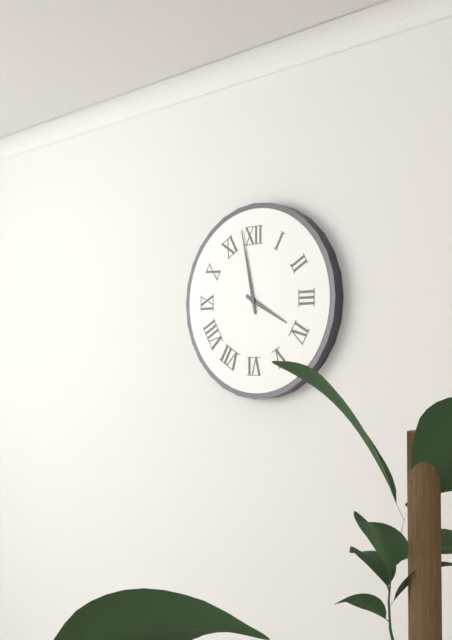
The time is 3:58
